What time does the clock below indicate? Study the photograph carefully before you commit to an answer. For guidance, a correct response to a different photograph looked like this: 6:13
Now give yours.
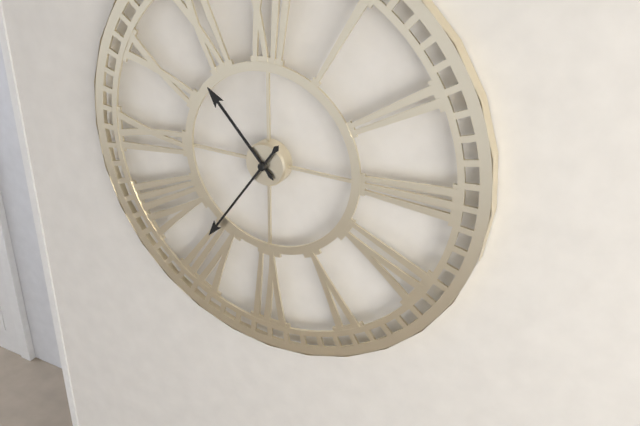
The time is 10:36
